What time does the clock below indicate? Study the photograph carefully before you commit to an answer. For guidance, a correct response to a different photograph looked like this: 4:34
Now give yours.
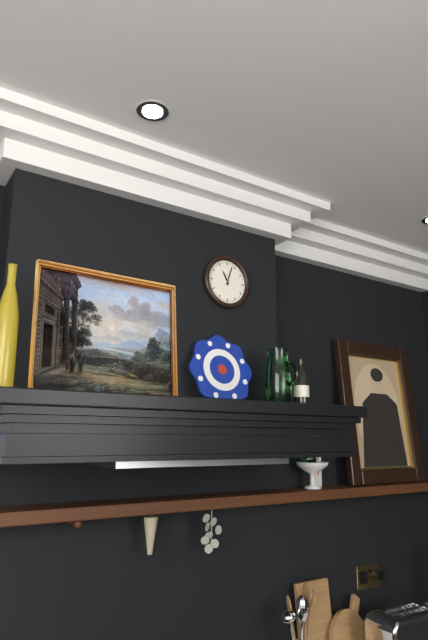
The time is 11:03
